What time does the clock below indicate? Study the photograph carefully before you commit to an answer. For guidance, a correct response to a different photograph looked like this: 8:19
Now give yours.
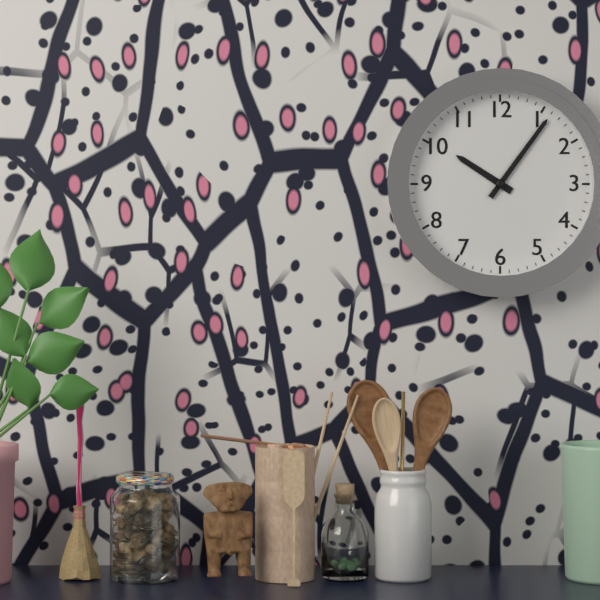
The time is 10:06
